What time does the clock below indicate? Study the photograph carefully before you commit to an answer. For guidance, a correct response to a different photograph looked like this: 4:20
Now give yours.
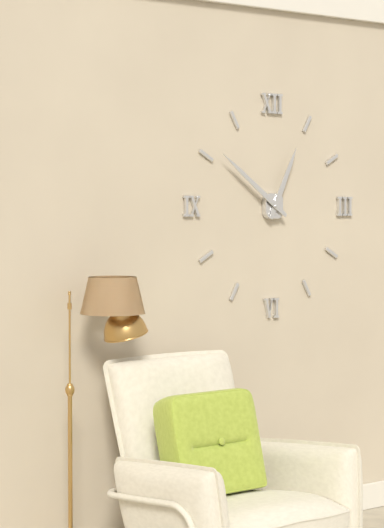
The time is 12:51
